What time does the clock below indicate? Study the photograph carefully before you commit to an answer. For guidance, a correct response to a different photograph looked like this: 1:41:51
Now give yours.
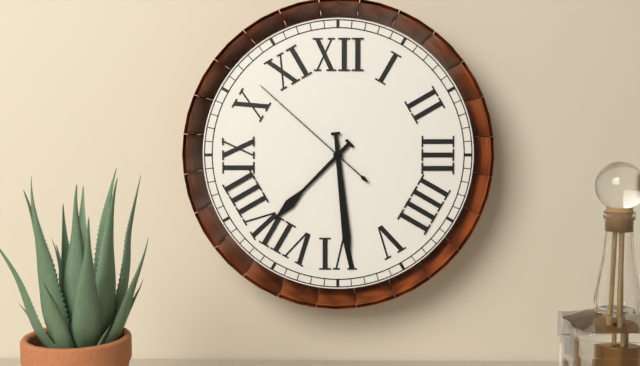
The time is 7:29:52
